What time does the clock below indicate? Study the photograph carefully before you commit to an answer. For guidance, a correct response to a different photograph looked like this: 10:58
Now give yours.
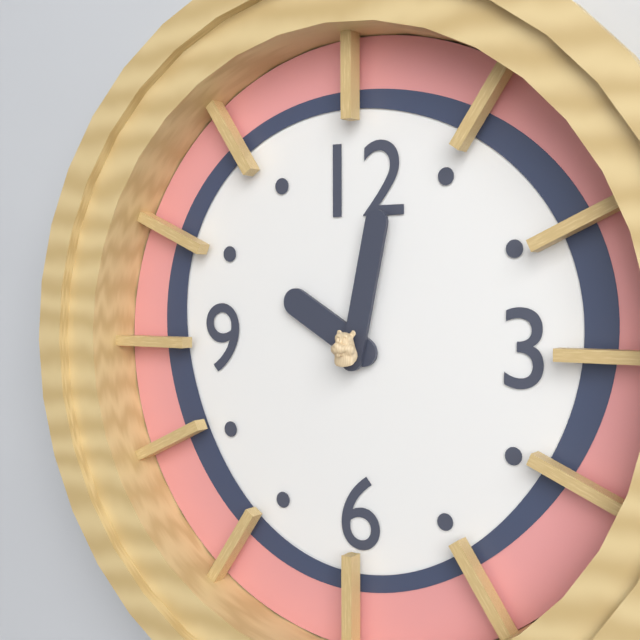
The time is 10:02
